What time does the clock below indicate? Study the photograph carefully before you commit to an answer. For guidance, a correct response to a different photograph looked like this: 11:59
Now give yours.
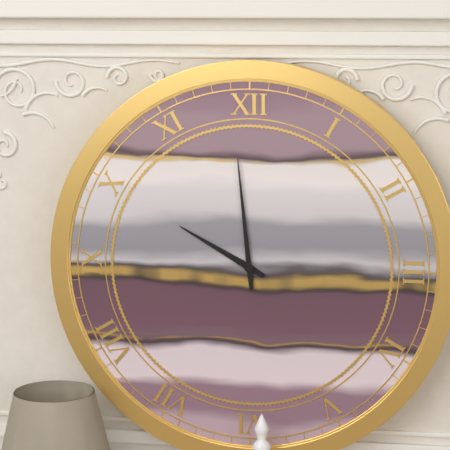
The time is 9:59
